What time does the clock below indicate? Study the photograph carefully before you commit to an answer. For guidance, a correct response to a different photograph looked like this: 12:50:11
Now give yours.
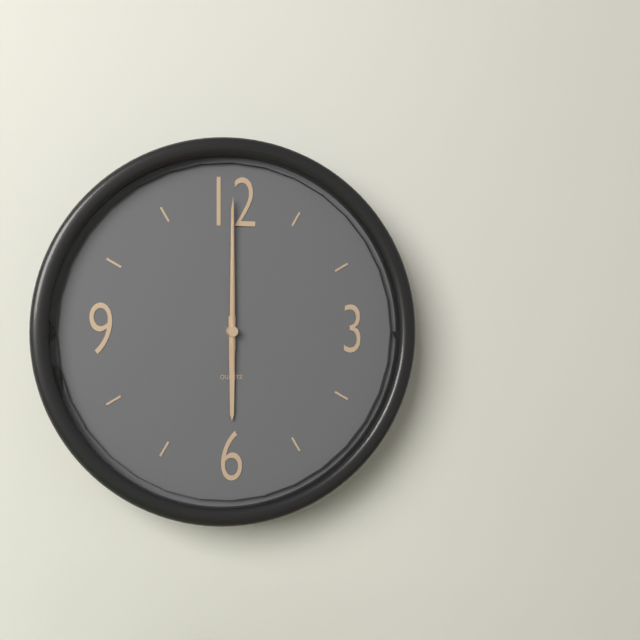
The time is 6:00:00
